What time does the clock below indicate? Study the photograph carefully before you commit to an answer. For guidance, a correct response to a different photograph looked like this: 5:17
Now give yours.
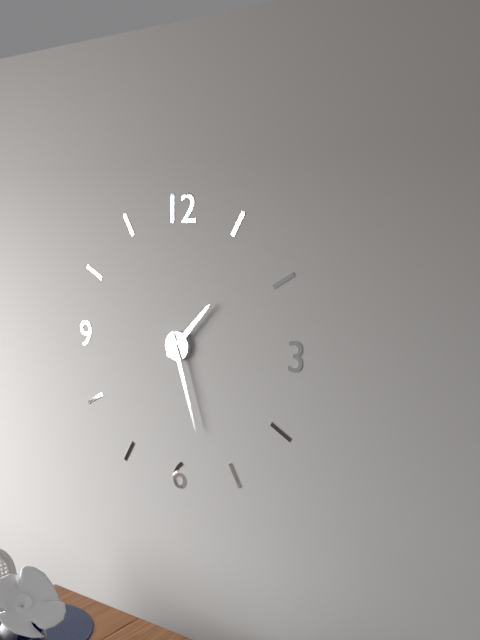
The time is 1:27
